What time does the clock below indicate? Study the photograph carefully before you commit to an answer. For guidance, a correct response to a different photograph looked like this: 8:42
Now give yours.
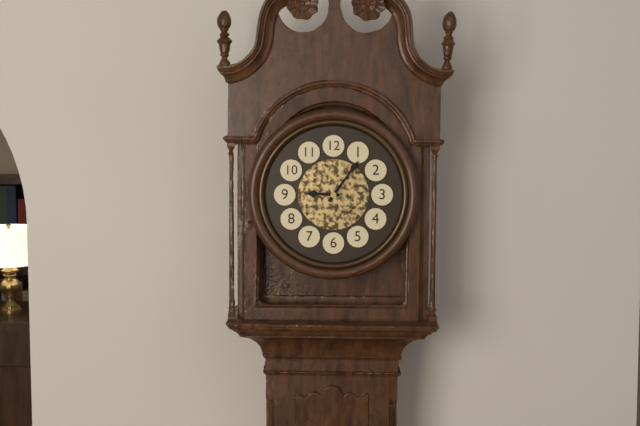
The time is 9:06
